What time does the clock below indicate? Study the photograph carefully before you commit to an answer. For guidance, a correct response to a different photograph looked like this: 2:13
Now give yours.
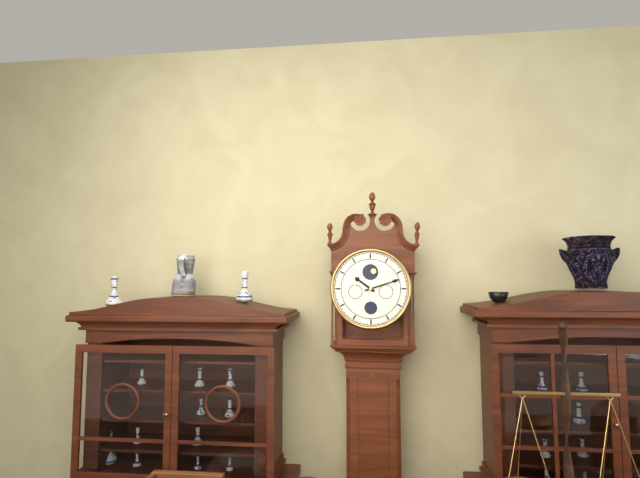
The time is 10:12
